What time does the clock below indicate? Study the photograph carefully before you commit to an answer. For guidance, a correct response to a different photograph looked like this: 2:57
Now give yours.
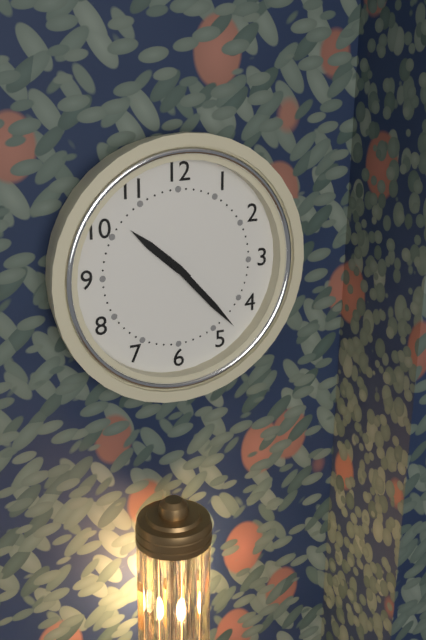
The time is 10:23
